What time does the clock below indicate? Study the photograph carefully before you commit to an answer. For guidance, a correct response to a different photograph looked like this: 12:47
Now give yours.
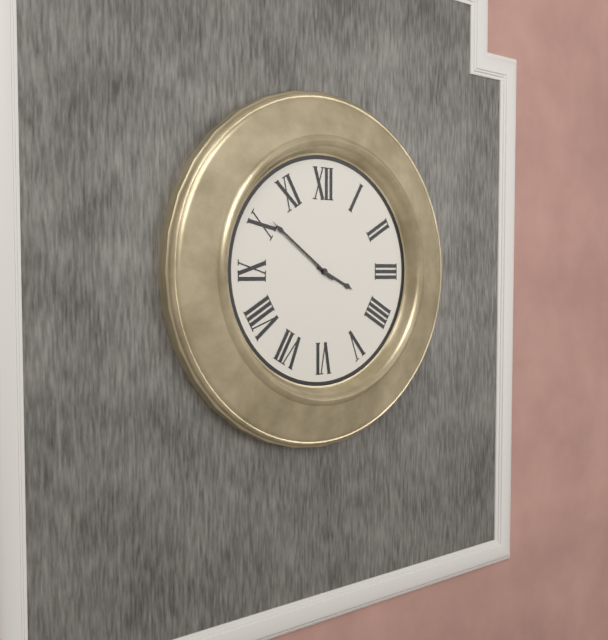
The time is 3:51
